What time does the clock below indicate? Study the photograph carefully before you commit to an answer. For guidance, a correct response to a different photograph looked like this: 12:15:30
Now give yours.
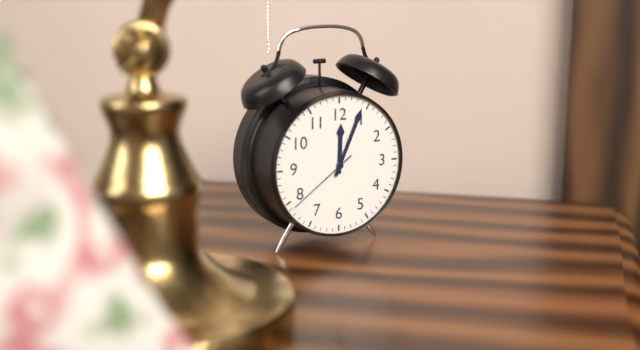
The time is 12:04:39
